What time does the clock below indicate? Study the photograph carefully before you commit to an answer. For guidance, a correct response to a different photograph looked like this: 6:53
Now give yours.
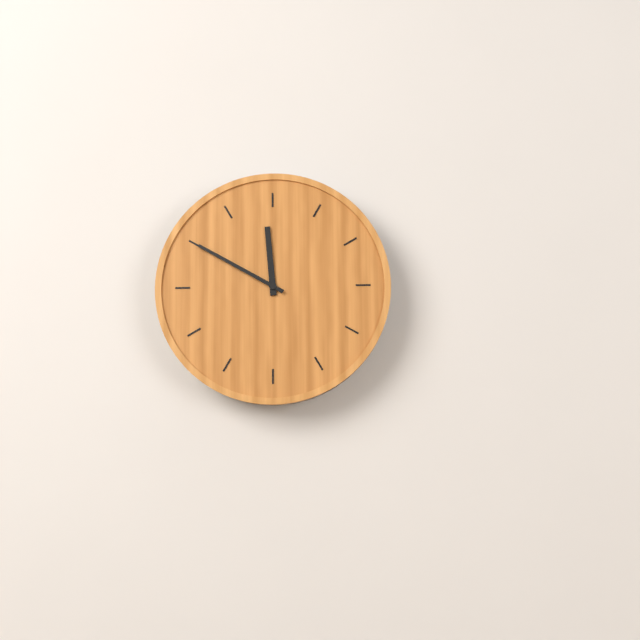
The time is 11:50
